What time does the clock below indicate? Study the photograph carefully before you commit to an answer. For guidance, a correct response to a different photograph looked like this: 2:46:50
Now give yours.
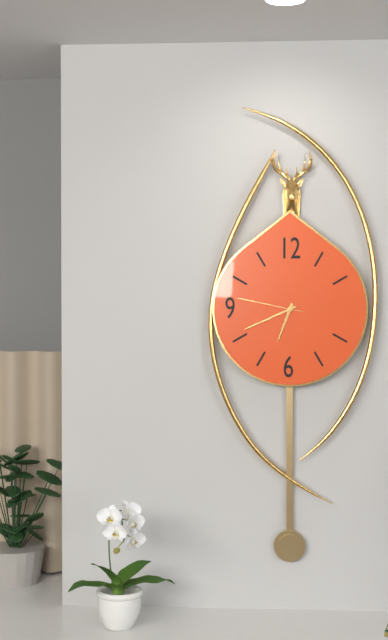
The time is 6:41:47
